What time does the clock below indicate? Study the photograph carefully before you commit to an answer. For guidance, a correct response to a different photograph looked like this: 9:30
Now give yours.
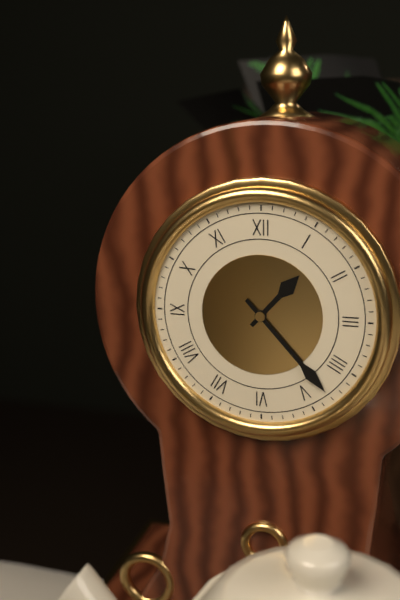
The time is 1:23
